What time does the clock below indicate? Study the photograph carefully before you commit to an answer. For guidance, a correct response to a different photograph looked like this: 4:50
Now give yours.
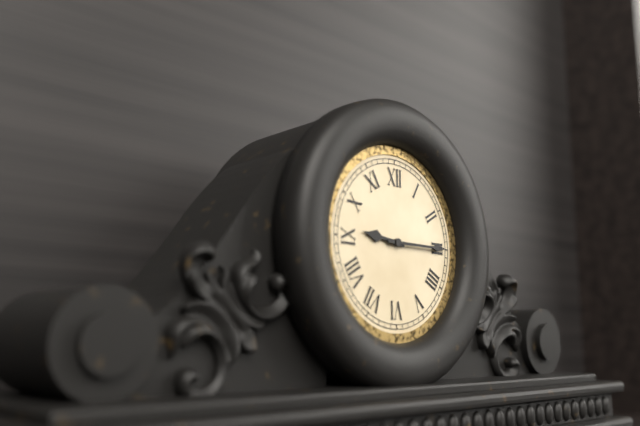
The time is 9:15
